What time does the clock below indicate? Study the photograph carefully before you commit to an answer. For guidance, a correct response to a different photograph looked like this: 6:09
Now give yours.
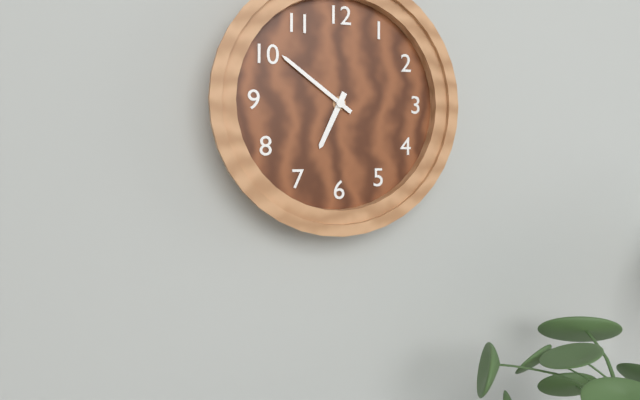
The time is 6:51
